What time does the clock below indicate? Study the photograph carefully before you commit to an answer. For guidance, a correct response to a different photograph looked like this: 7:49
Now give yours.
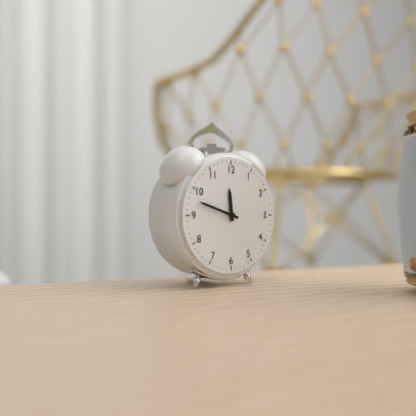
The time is 11:48
